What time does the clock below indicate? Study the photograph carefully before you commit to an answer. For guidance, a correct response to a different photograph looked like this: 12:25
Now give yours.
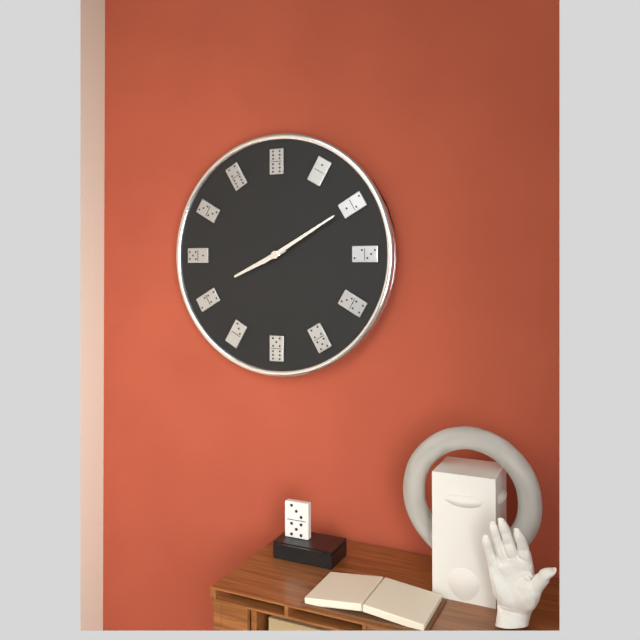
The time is 8:10
